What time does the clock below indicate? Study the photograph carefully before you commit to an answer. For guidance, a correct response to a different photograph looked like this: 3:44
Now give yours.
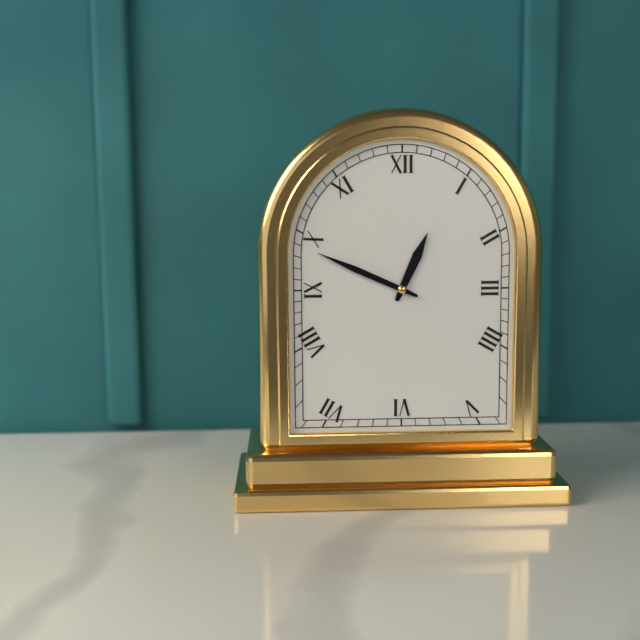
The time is 12:49
